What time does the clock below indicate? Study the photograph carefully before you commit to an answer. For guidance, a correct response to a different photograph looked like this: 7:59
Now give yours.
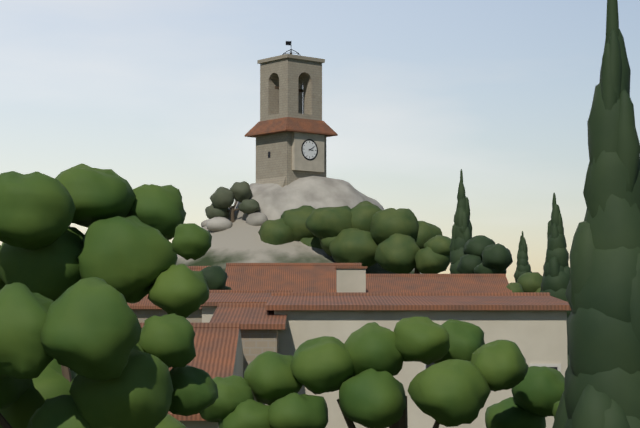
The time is 3:10
